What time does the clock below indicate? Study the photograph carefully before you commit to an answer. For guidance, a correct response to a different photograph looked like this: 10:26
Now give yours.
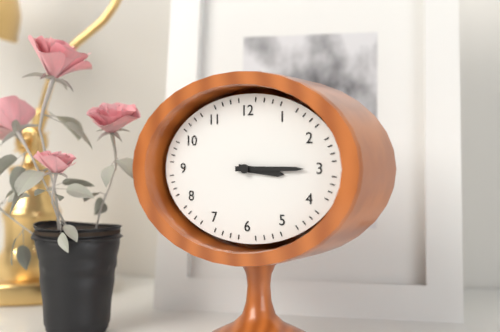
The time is 3:15
